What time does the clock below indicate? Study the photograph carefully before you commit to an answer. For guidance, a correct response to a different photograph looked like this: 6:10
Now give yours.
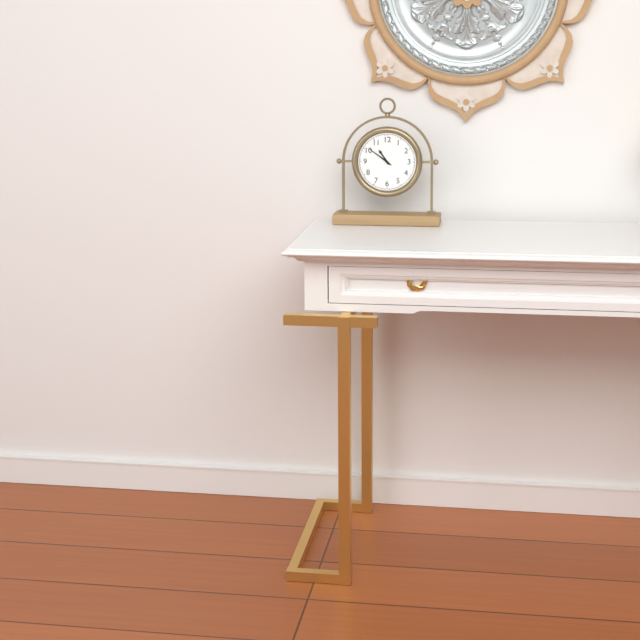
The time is 10:51
